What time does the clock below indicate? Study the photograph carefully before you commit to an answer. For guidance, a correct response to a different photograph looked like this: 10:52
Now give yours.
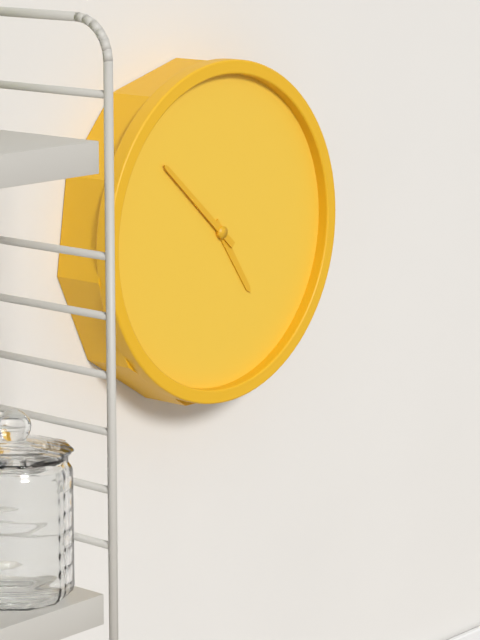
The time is 4:52
